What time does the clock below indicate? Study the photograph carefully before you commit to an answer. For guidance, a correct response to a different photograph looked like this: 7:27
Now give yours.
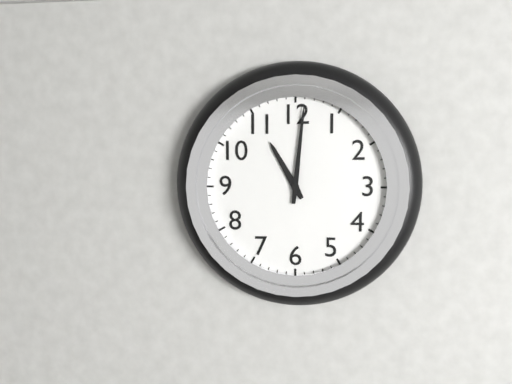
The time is 11:01
